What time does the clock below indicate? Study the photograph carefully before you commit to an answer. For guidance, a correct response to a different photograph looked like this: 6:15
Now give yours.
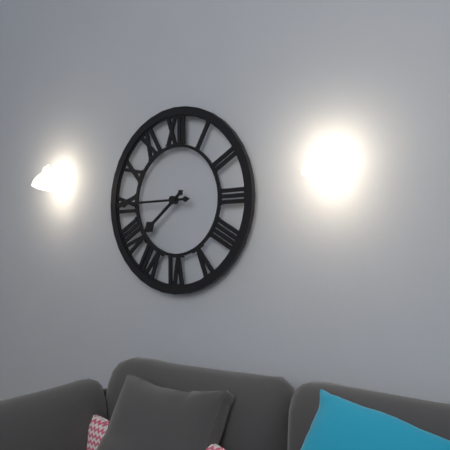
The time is 7:45
